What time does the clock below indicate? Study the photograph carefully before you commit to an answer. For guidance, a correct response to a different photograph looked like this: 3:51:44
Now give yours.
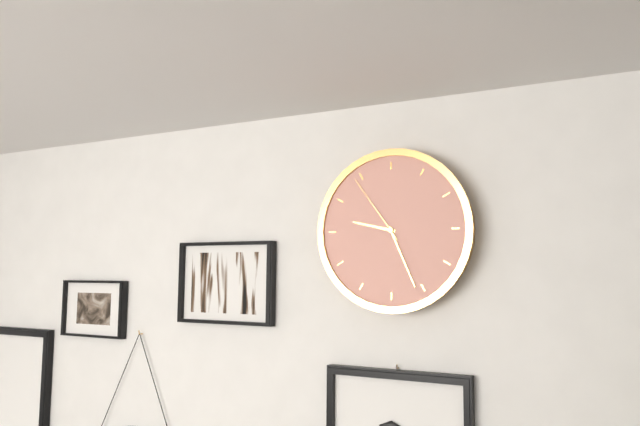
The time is 9:26:54
